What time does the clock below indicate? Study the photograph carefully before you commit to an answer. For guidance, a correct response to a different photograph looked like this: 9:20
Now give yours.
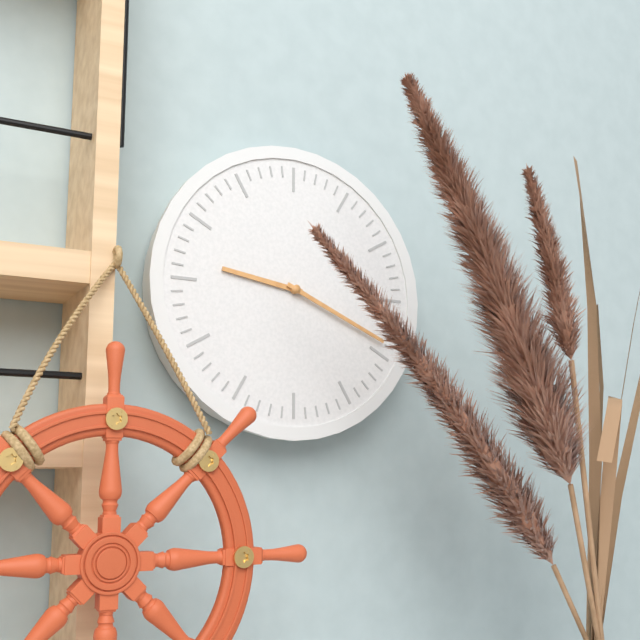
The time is 9:19
